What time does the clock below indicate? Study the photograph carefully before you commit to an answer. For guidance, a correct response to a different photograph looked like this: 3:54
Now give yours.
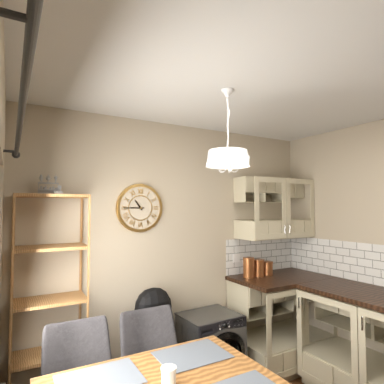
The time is 10:45
